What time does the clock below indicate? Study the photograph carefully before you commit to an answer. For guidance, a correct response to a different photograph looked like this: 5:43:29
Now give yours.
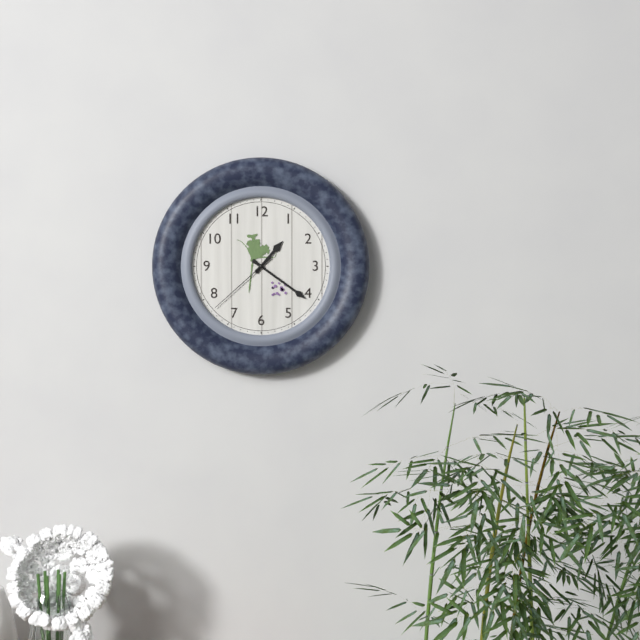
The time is 1:21:38
